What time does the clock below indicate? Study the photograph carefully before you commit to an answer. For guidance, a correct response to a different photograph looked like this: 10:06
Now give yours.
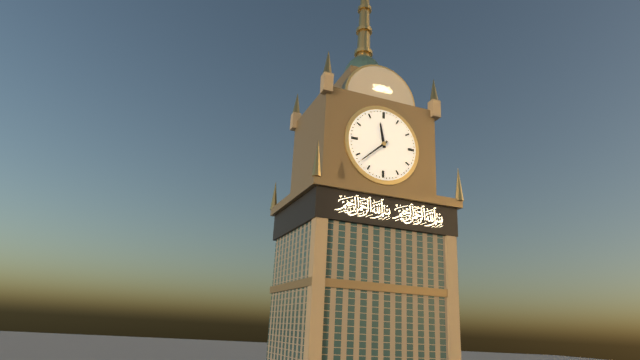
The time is 11:38
